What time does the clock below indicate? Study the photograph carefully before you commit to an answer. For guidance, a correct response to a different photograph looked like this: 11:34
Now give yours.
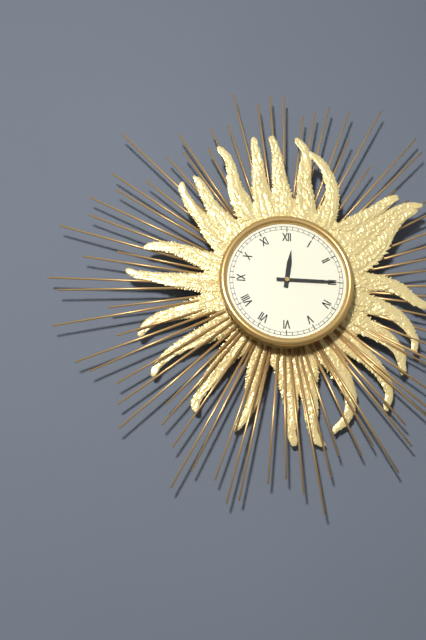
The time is 12:15
